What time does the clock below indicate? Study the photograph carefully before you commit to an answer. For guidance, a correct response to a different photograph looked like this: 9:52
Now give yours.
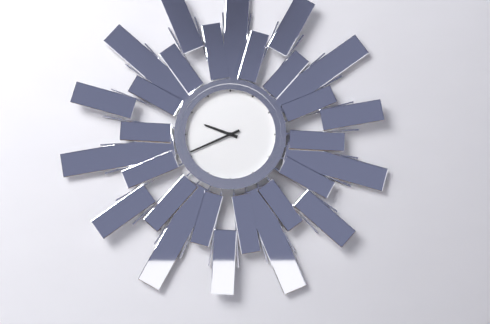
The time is 9:41
